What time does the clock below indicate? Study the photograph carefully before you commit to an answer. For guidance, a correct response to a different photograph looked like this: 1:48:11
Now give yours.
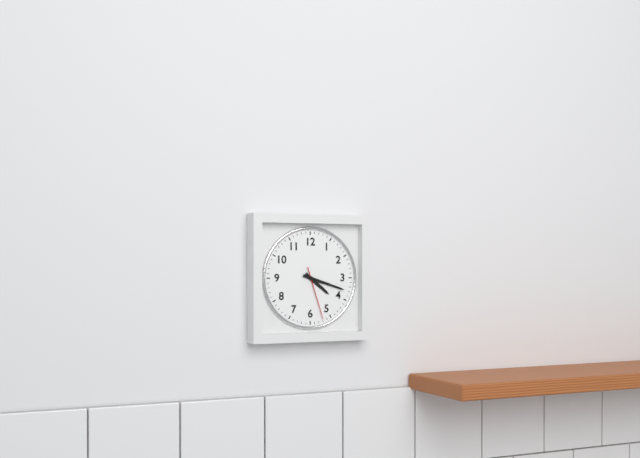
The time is 4:18:27
